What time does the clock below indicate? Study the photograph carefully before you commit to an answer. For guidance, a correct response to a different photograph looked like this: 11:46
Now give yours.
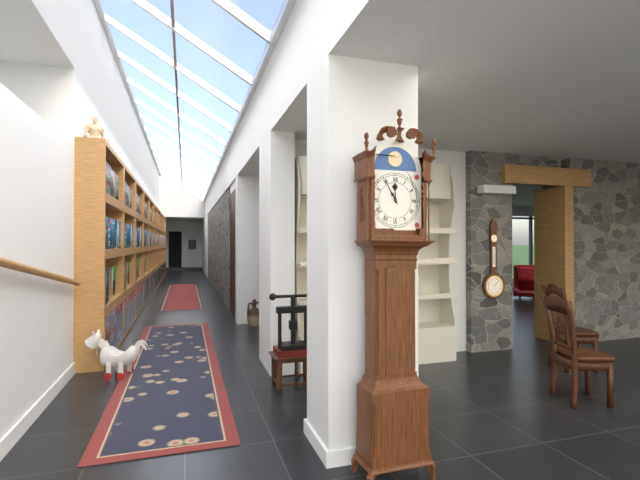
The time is 11:55
